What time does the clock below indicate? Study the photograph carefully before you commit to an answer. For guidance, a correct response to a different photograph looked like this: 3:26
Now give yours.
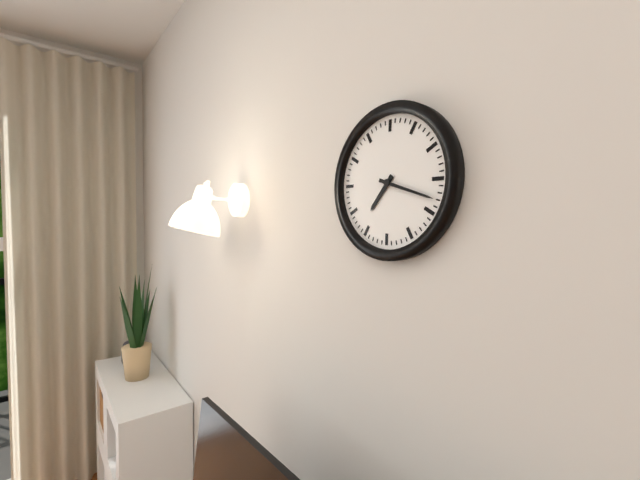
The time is 7:18
